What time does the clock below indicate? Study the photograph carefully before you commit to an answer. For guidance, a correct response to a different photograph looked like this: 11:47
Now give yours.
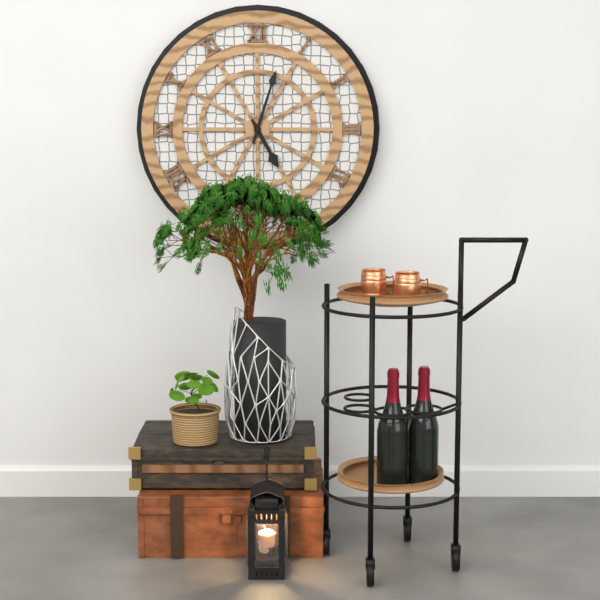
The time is 5:03
